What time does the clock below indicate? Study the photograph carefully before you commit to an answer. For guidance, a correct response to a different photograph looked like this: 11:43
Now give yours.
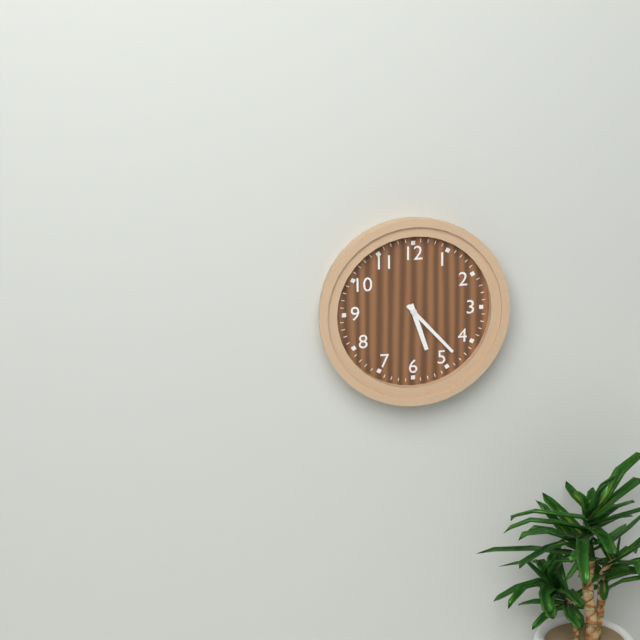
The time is 5:23
